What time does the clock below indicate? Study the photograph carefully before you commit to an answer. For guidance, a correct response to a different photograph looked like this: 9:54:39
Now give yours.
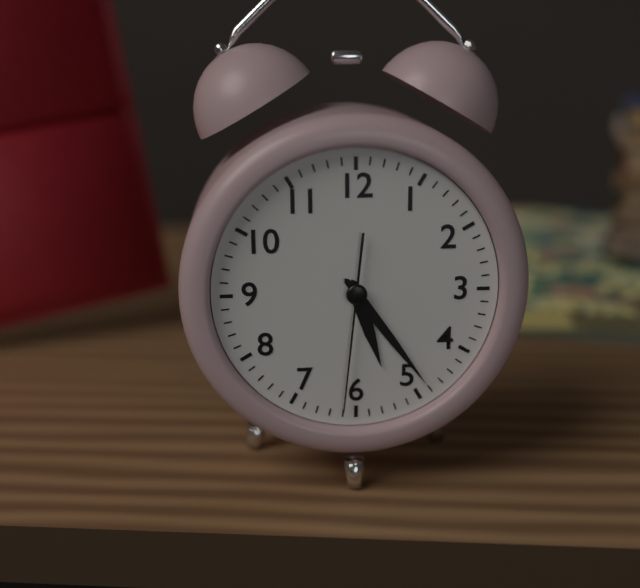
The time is 5:24:31
